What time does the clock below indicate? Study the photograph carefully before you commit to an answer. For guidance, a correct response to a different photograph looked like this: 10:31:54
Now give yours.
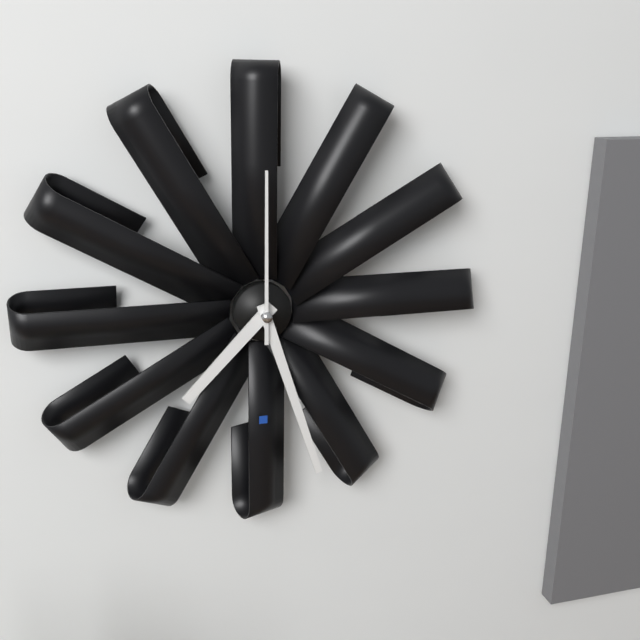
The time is 7:27:00
